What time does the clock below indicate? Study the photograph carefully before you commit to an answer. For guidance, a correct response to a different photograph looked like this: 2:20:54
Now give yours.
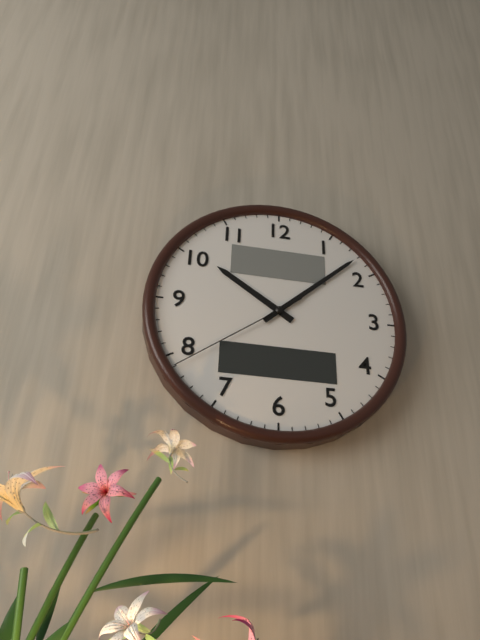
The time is 10:08:39
